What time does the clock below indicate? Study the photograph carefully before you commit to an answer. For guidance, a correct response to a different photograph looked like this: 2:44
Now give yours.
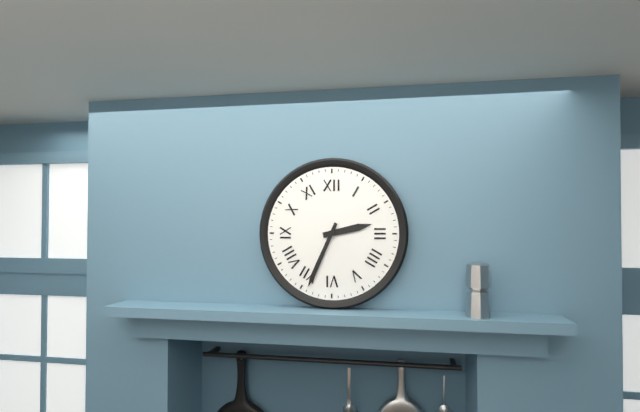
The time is 2:34
